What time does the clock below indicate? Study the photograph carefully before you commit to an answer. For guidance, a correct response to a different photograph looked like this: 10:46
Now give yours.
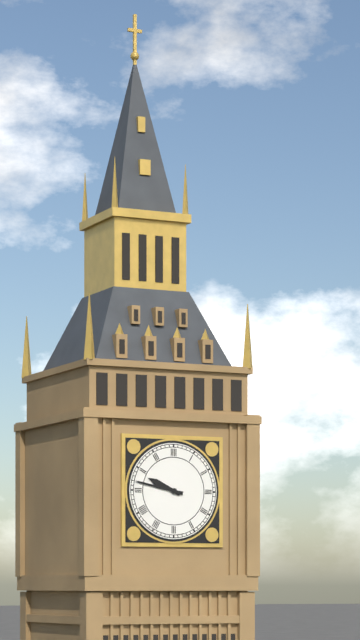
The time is 9:47
